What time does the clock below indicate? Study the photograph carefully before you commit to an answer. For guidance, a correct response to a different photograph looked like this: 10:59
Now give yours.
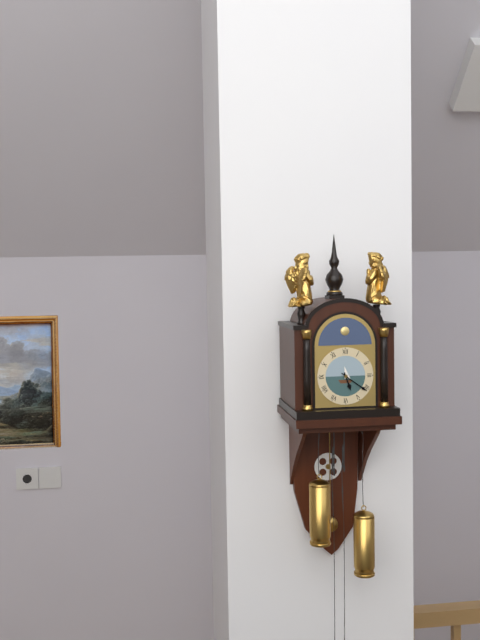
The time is 5:21
